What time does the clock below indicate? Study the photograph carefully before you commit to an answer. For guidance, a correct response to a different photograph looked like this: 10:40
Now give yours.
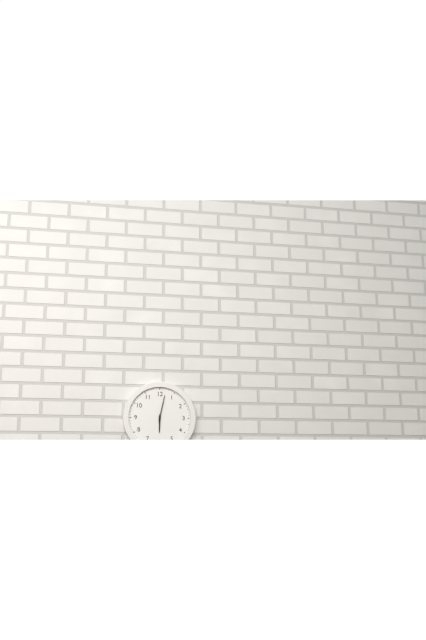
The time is 6:02
